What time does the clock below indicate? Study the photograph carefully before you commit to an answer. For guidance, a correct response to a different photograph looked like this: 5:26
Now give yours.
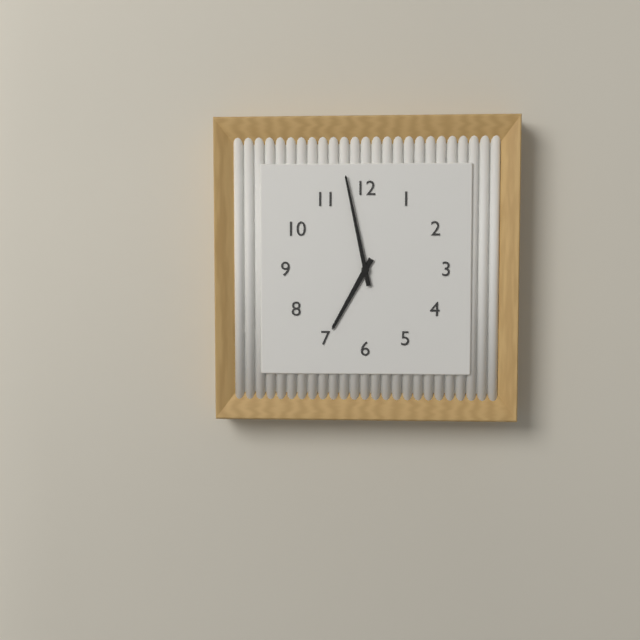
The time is 6:58
